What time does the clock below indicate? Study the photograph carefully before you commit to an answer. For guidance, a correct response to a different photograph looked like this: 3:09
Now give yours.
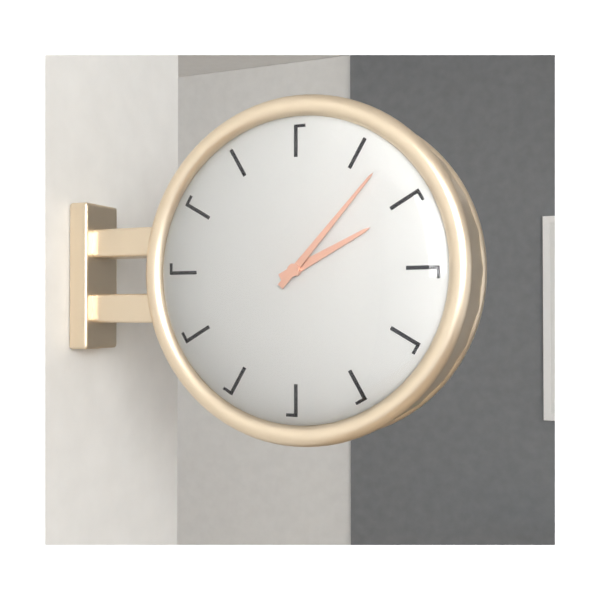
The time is 2:07
